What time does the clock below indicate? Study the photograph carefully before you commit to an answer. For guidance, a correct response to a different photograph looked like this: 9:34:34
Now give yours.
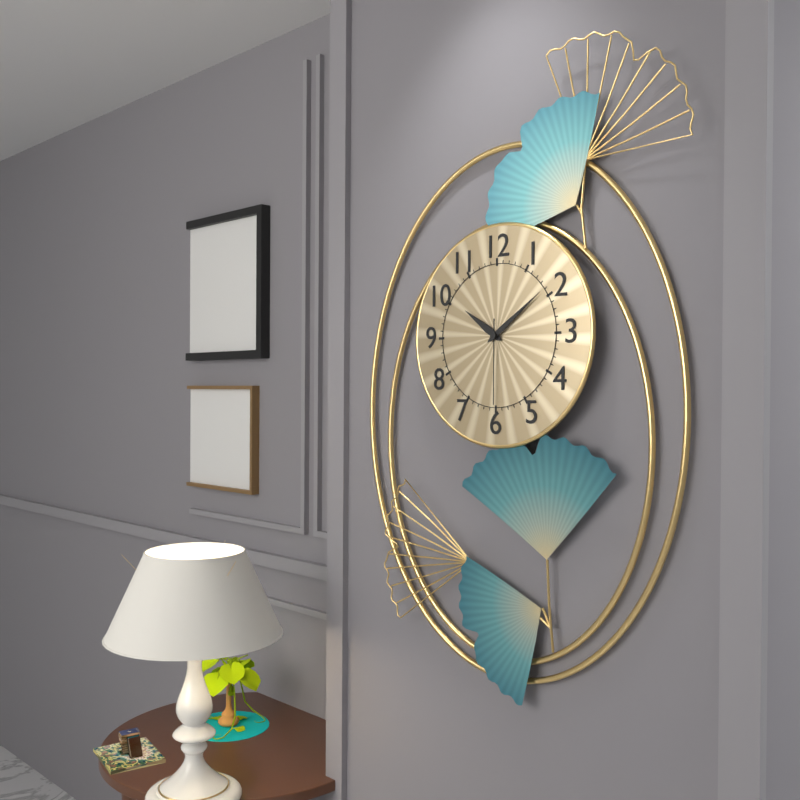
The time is 10:09:30
